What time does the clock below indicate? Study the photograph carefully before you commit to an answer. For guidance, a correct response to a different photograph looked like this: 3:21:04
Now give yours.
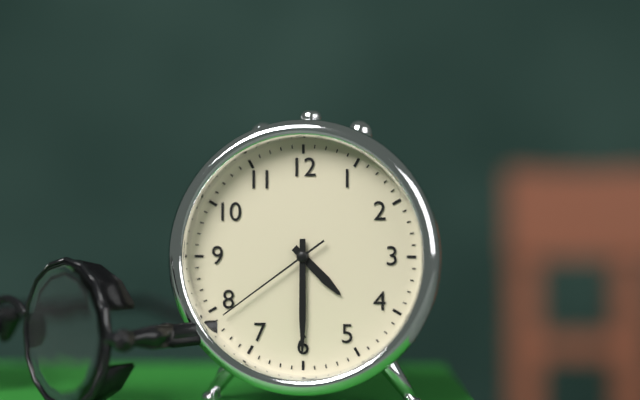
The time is 4:30:39
